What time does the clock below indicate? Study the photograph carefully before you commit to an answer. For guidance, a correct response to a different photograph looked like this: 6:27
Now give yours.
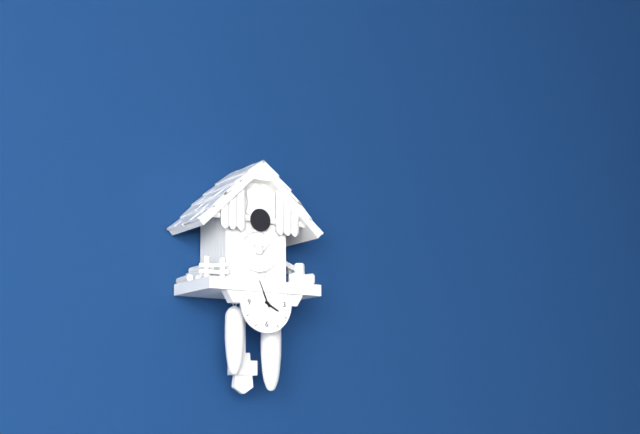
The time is 3:56
